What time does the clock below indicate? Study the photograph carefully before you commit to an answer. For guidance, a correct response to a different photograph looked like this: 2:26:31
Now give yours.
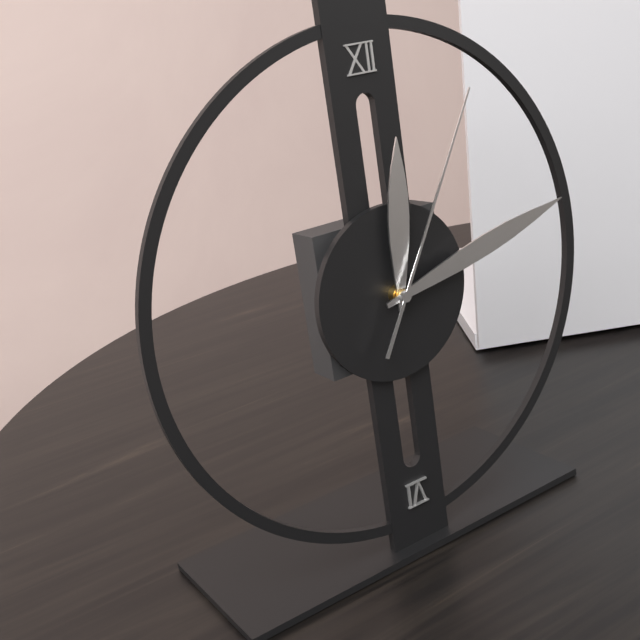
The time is 12:13:05
